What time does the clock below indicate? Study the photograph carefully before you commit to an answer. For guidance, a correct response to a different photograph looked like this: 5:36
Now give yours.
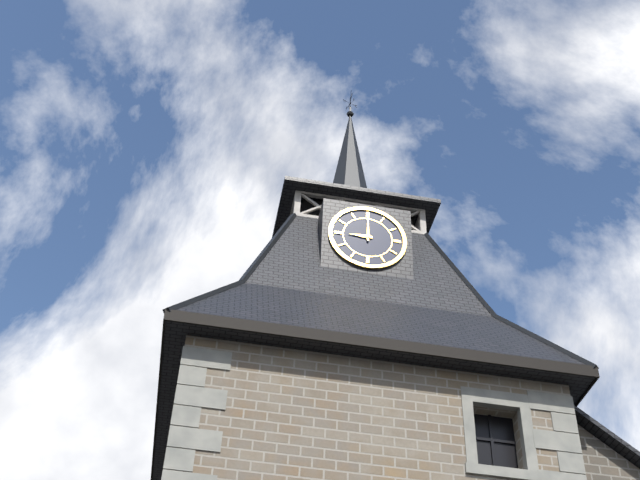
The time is 9:00
